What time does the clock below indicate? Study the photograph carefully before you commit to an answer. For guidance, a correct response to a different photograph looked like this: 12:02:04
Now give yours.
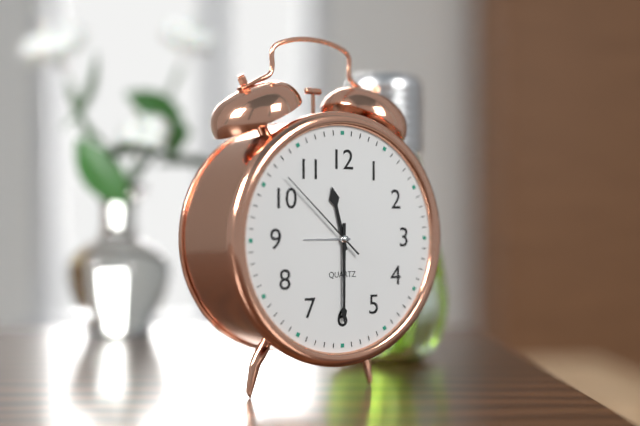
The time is 11:30:52
